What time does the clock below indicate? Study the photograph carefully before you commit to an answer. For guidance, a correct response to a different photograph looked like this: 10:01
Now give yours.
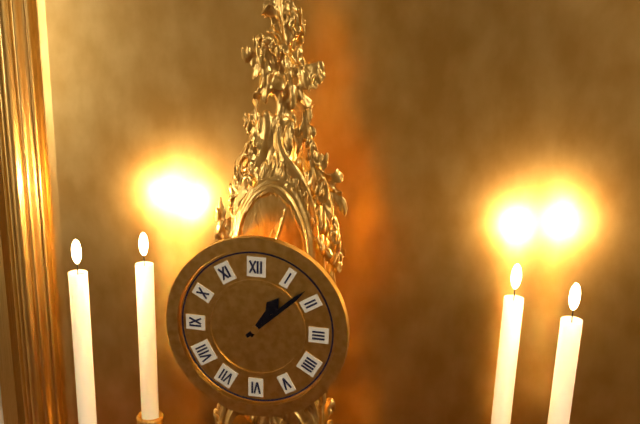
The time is 1:08
